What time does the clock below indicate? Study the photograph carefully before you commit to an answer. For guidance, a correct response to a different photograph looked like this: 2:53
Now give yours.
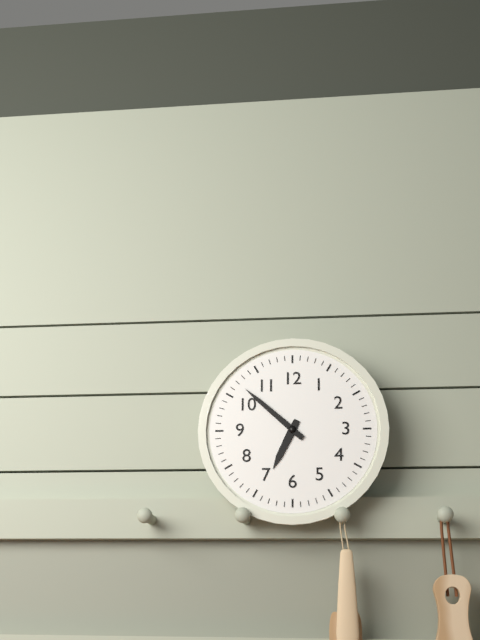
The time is 6:52
